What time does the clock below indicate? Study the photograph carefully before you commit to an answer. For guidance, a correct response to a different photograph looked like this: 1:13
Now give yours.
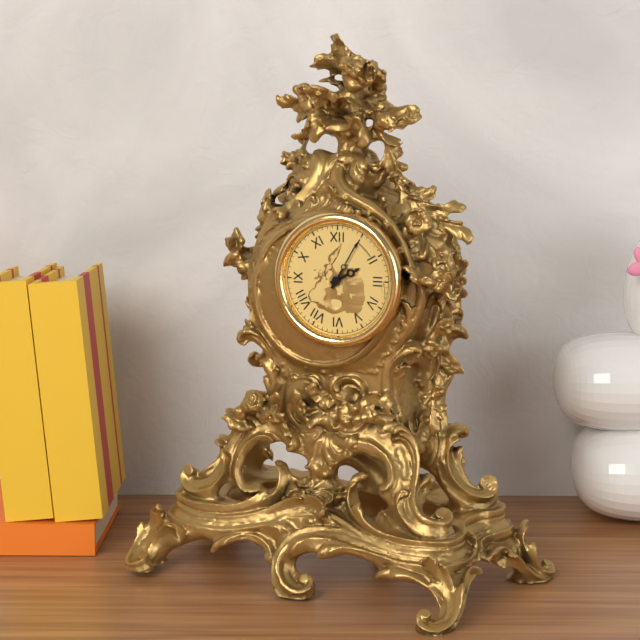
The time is 2:05
